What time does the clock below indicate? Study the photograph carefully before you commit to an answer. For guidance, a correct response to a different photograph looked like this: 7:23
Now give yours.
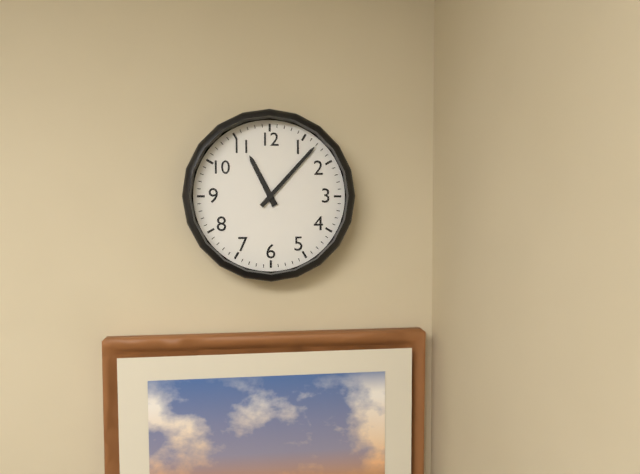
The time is 11:07
